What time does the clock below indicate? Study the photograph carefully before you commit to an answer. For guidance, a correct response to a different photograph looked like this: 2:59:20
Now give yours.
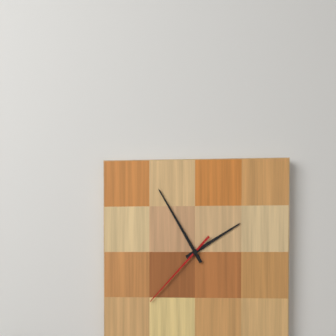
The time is 1:55:37
